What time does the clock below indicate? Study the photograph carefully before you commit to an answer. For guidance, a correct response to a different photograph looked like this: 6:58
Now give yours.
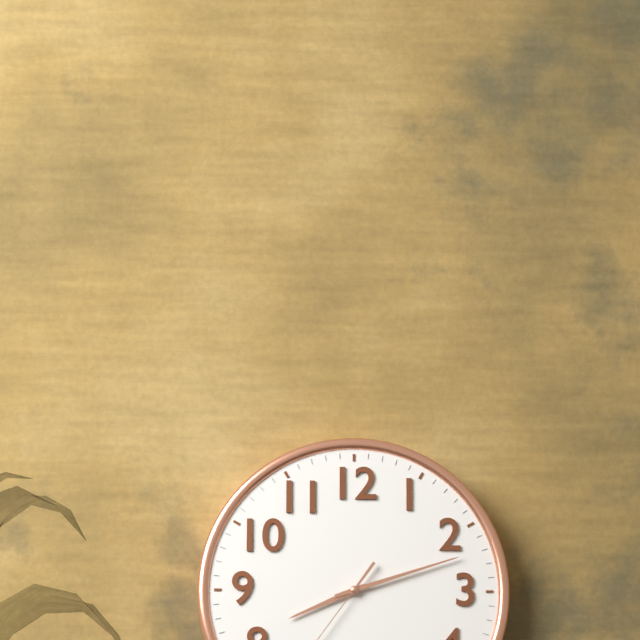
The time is 8:12
